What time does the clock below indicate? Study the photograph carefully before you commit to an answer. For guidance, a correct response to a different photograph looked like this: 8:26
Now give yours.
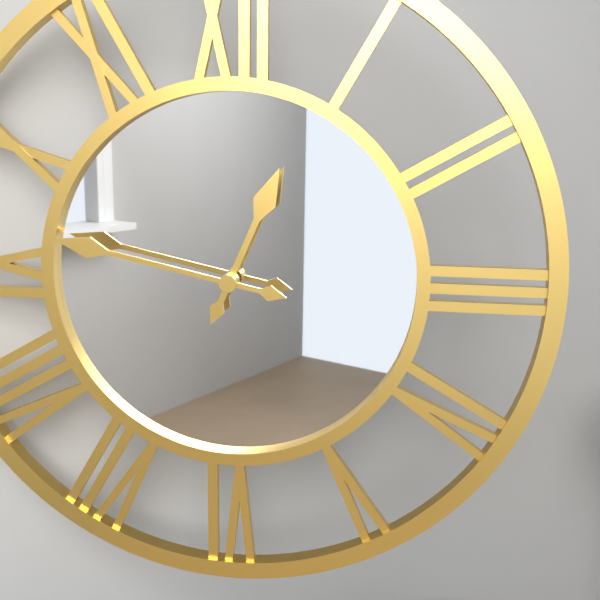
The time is 12:47
